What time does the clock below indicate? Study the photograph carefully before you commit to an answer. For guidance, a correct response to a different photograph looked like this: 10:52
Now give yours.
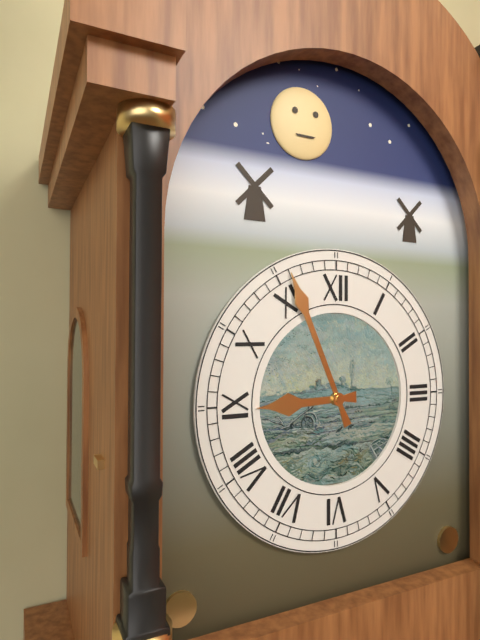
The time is 8:56
